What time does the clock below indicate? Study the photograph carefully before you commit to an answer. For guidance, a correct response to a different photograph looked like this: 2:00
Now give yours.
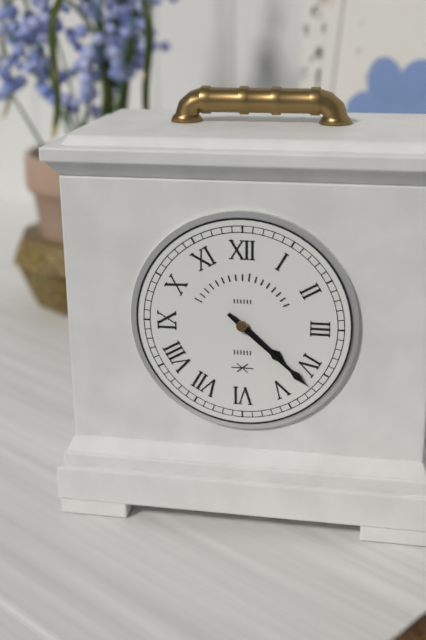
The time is 4:22
